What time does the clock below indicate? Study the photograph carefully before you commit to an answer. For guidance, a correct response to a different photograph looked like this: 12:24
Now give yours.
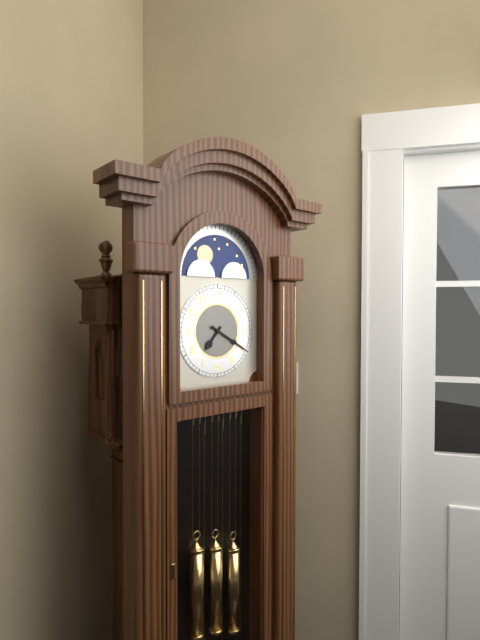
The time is 7:20
